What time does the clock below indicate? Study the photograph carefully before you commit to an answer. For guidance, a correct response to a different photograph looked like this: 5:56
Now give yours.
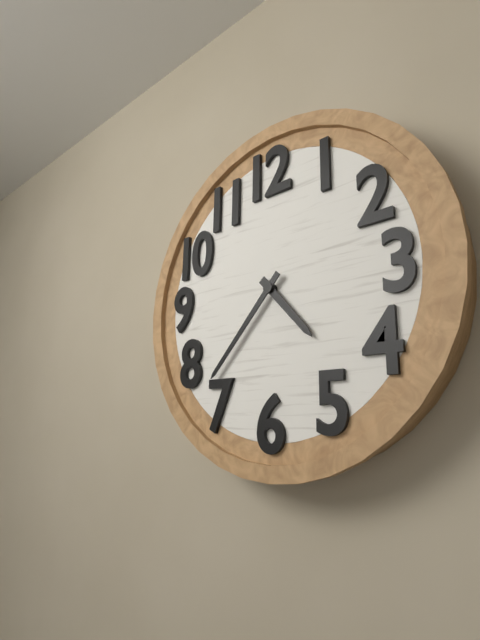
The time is 4:37
